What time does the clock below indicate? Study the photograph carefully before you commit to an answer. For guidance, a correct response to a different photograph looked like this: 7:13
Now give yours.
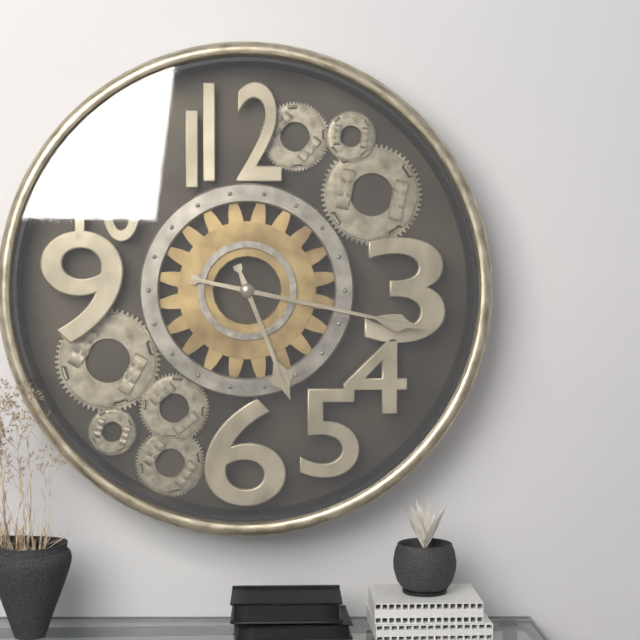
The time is 5:17
